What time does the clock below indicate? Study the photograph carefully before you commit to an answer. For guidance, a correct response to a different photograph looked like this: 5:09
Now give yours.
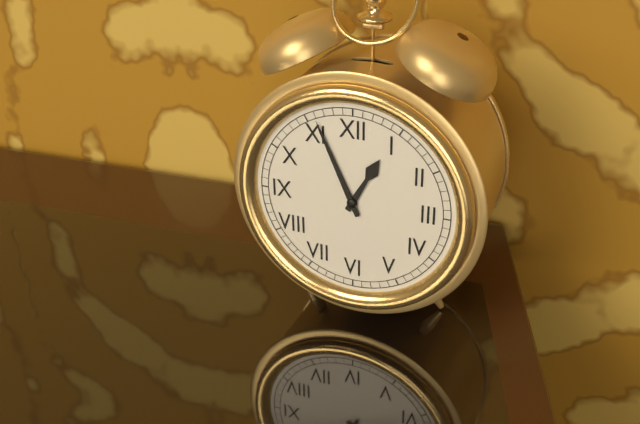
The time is 12:56
